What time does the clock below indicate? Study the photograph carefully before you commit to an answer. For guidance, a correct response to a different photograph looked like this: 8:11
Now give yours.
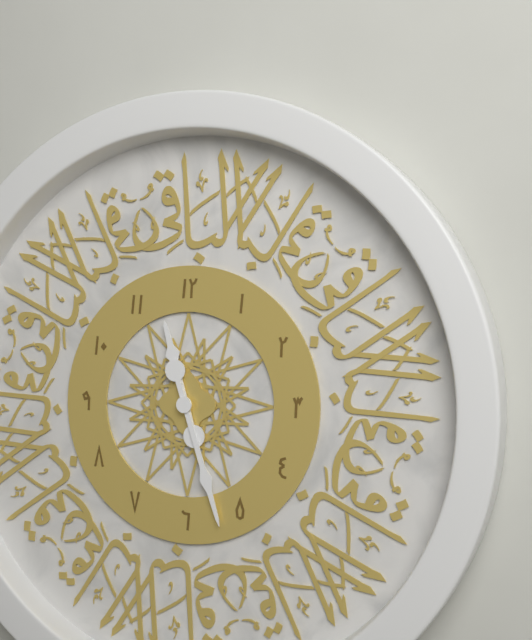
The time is 11:27
